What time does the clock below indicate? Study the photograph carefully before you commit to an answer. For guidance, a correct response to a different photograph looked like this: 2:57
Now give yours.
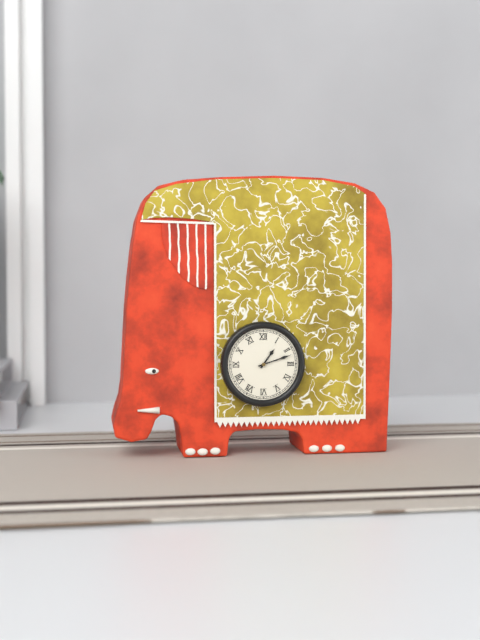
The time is 1:12
